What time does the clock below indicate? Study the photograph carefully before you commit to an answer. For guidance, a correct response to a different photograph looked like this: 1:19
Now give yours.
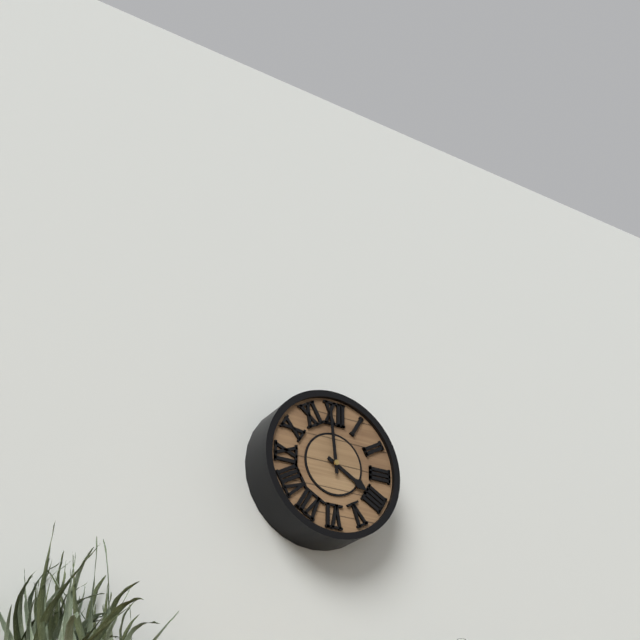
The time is 3:59
